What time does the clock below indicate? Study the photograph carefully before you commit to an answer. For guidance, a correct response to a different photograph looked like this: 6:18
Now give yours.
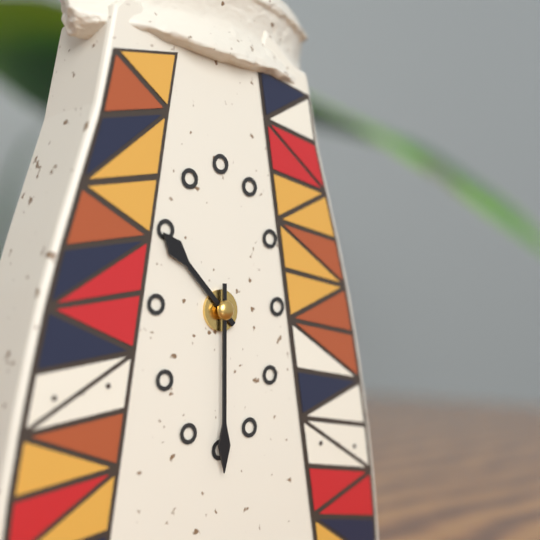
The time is 10:30
